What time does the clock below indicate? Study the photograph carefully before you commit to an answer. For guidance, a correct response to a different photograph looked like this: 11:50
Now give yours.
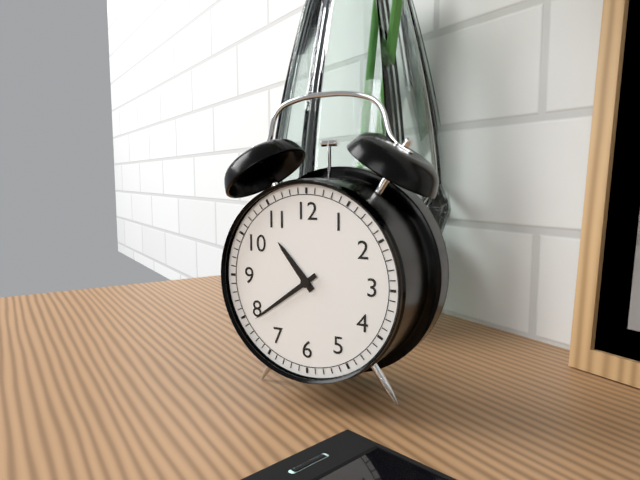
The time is 10:39
